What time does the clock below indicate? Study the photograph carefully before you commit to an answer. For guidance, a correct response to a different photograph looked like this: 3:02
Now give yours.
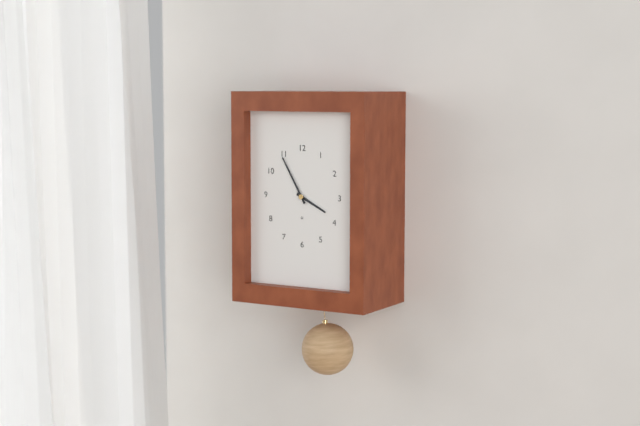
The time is 3:55
